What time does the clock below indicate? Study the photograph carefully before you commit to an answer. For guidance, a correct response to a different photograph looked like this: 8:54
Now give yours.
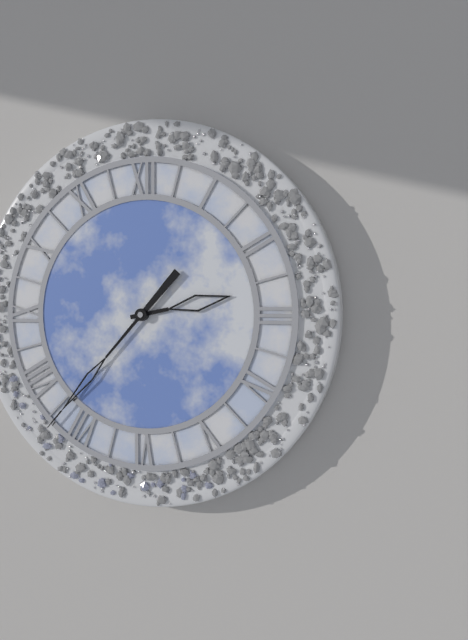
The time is 2:37
